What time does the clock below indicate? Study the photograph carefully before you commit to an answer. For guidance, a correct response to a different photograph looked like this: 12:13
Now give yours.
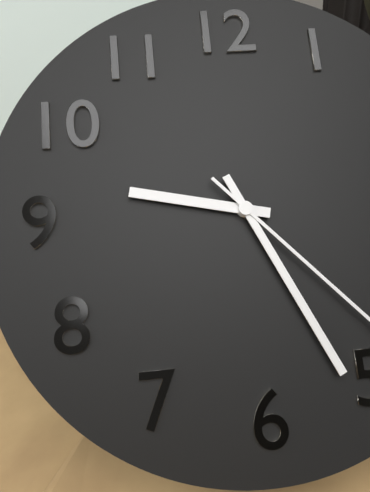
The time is 9:26
